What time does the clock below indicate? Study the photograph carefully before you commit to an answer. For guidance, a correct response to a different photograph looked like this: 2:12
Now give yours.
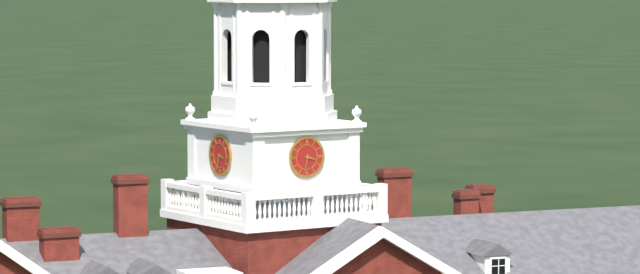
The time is 3:32
